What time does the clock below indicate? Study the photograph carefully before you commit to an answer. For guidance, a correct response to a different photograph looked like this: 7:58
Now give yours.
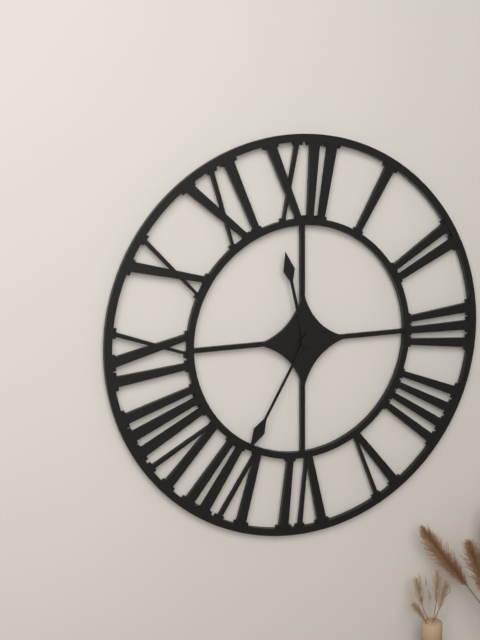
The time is 11:35
